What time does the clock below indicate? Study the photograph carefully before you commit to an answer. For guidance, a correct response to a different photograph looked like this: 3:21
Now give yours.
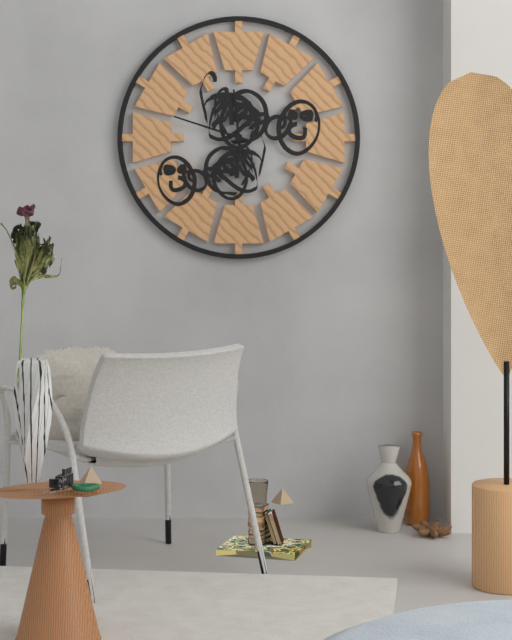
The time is 11:48
